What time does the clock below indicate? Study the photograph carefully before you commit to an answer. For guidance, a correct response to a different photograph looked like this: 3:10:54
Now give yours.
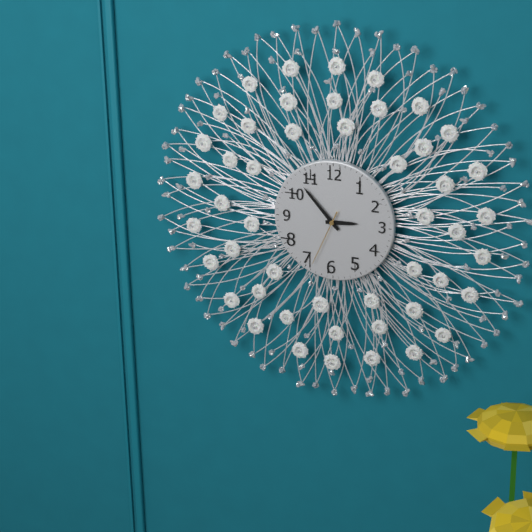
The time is 2:53:34
